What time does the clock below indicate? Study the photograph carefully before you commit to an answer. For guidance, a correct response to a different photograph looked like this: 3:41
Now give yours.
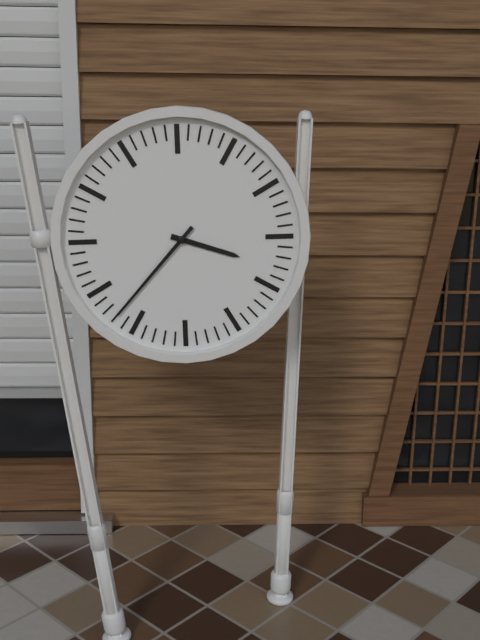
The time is 3:37
